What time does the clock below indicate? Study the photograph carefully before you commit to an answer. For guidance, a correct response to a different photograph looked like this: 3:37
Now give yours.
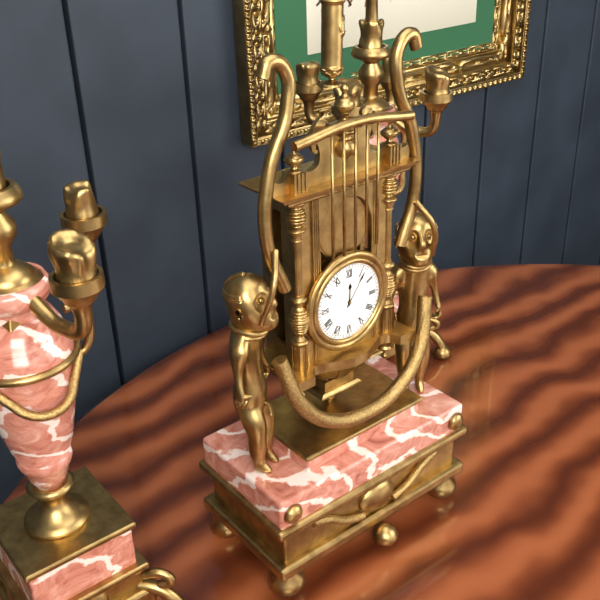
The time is 12:06
